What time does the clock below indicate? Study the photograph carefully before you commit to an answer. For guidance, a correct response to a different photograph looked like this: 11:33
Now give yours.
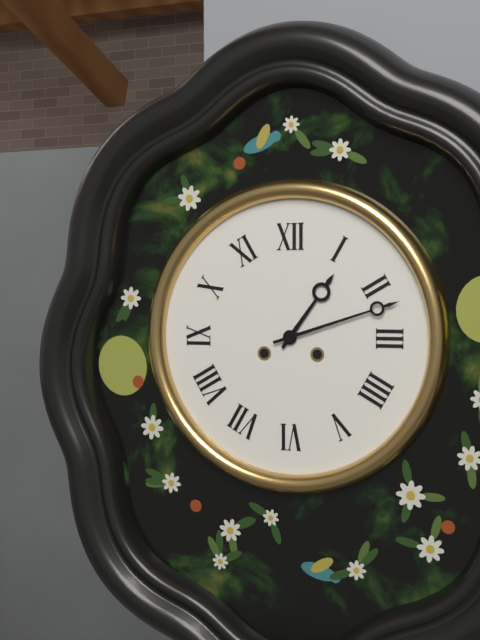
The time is 1:12
